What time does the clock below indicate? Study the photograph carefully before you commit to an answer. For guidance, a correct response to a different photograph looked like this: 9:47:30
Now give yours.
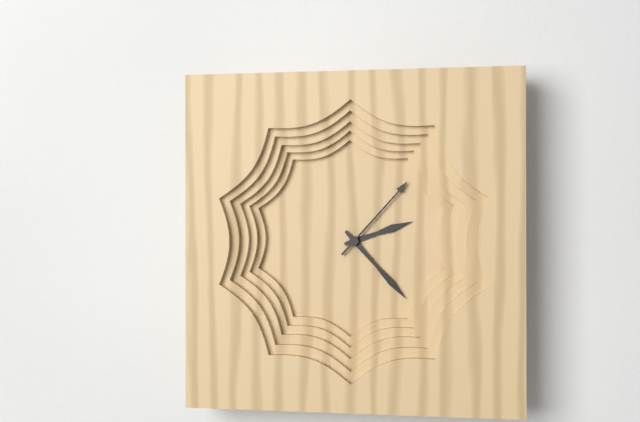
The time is 2:23:07
